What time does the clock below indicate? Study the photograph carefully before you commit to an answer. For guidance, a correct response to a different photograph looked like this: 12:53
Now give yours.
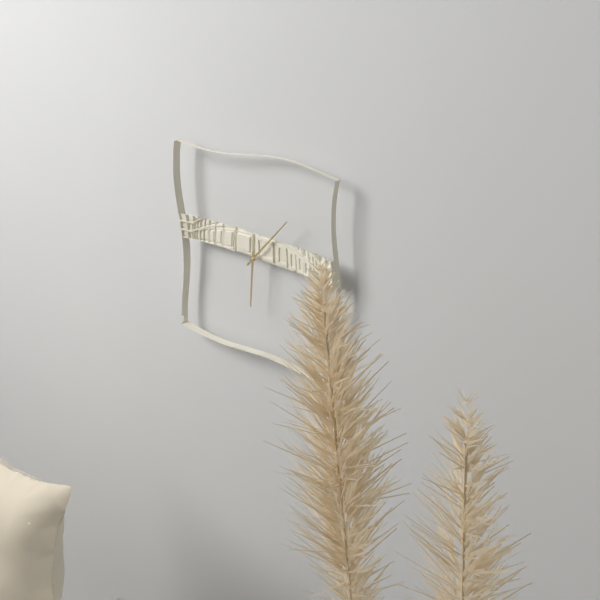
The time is 6:07
